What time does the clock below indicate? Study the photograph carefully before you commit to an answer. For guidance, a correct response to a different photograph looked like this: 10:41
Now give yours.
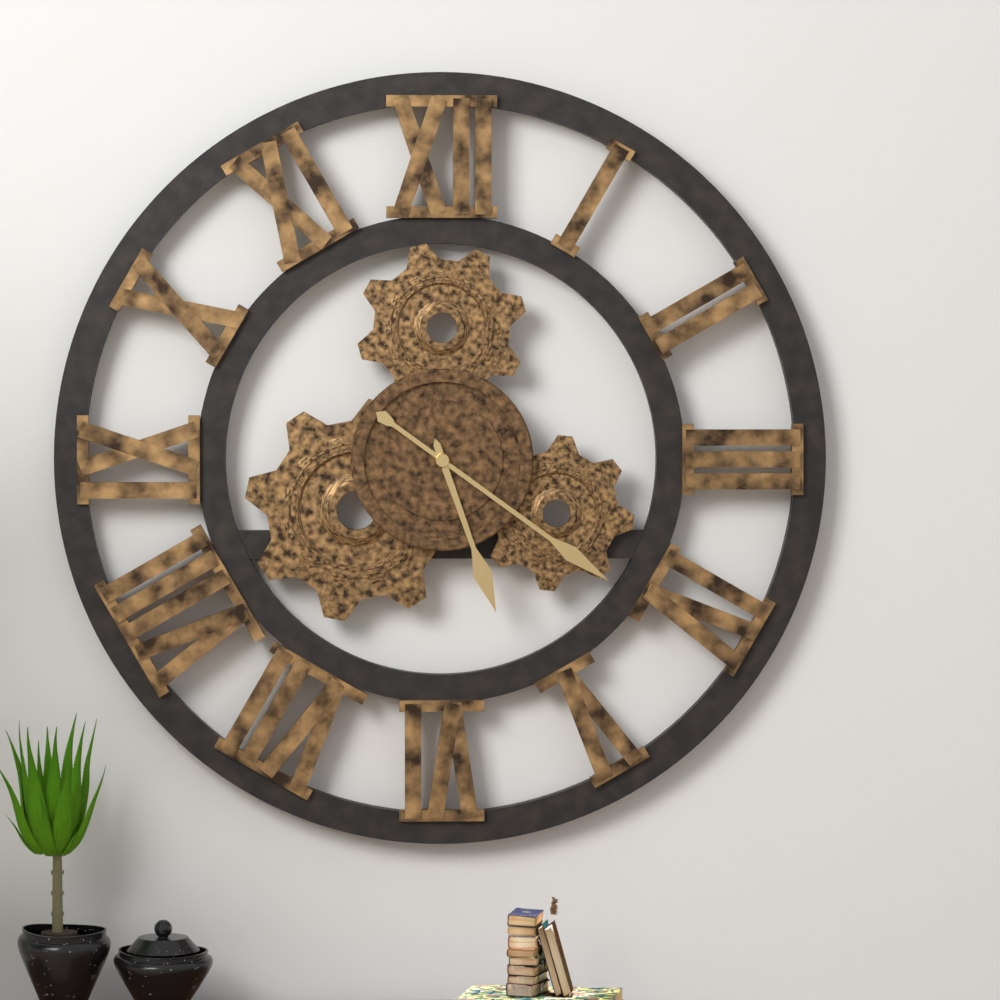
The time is 5:21
